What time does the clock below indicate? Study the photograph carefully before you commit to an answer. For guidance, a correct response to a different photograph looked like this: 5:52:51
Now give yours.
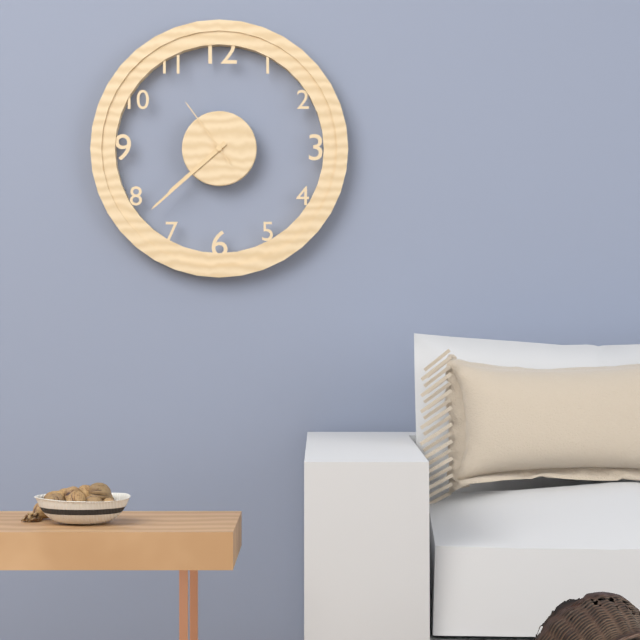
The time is 7:38:54
